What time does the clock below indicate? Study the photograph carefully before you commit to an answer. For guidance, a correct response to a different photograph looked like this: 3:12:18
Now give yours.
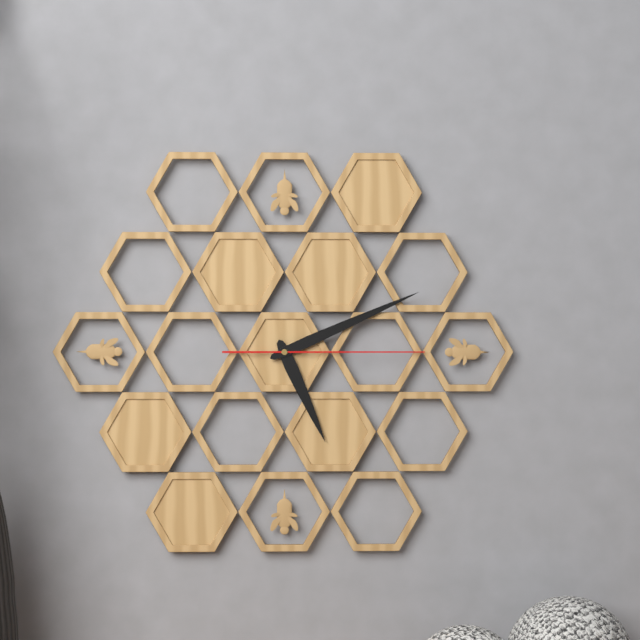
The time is 5:11:15
